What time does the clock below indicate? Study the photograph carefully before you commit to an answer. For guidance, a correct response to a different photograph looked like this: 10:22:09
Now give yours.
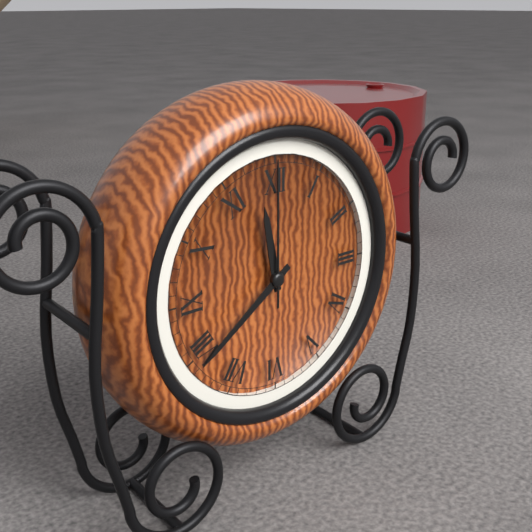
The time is 11:39:00
